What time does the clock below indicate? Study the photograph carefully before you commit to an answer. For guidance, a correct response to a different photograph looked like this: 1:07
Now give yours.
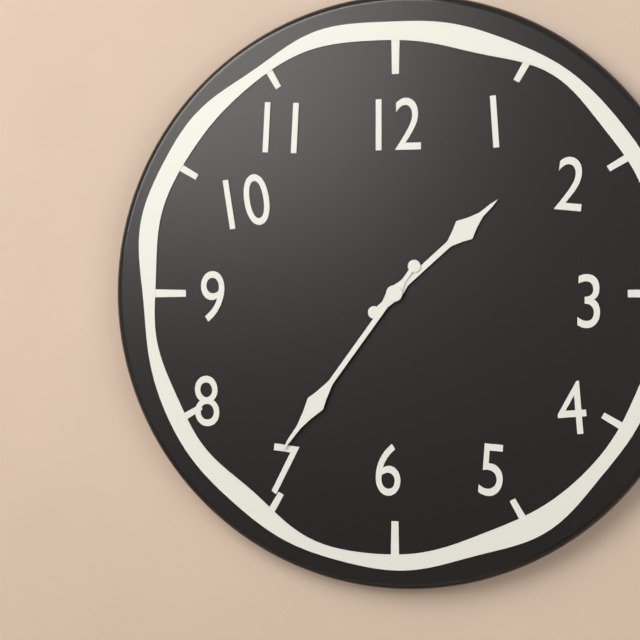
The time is 1:36
